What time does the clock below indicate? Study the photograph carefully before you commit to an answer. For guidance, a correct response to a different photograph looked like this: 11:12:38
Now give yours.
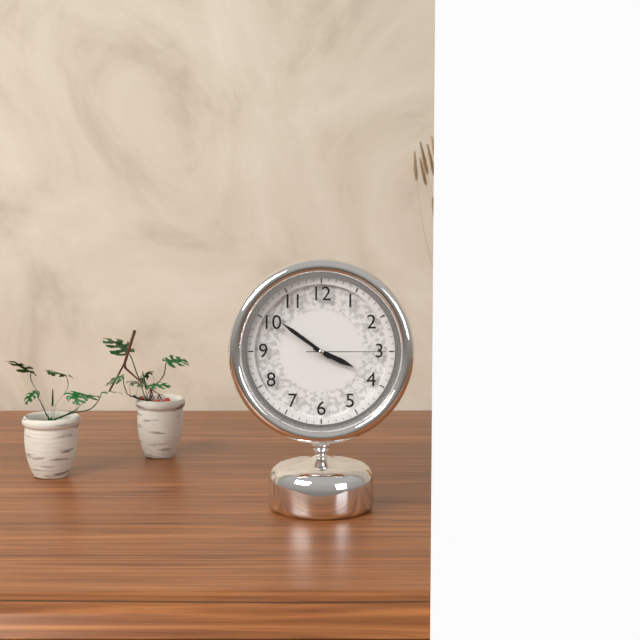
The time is 3:51:15
